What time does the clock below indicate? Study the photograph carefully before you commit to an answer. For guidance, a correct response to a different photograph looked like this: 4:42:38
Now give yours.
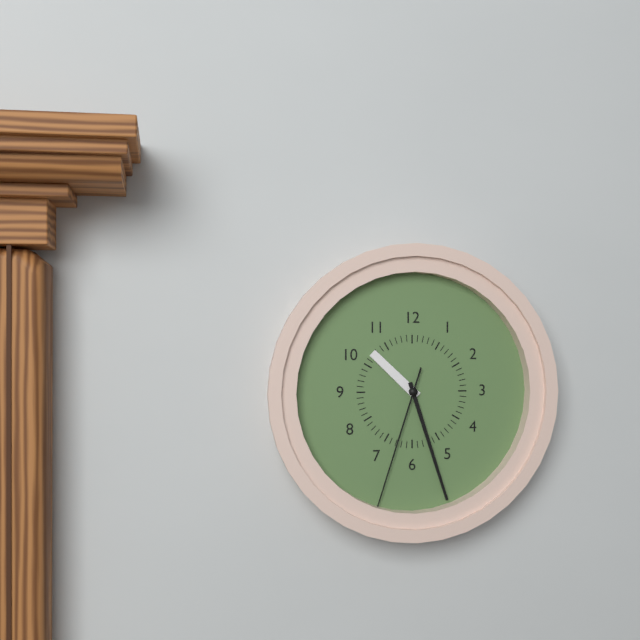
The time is 10:27:33
